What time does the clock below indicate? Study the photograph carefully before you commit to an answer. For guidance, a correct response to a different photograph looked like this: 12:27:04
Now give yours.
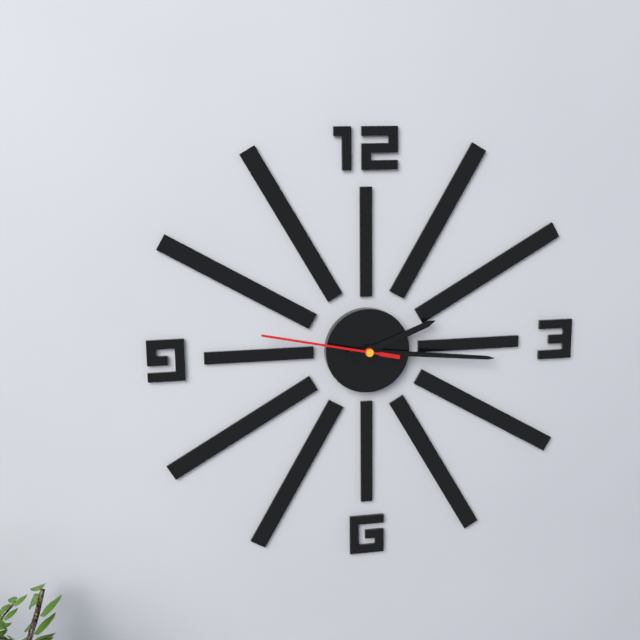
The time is 2:16:47
